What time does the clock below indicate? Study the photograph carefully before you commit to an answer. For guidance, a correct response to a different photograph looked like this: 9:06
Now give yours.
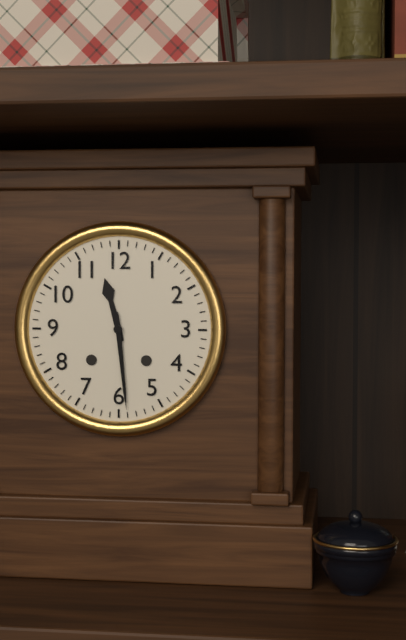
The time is 11:29
